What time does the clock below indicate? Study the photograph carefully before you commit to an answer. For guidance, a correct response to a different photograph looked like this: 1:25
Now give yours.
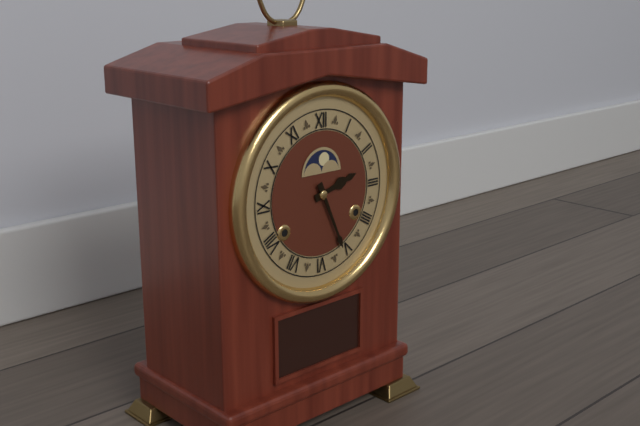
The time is 2:26
